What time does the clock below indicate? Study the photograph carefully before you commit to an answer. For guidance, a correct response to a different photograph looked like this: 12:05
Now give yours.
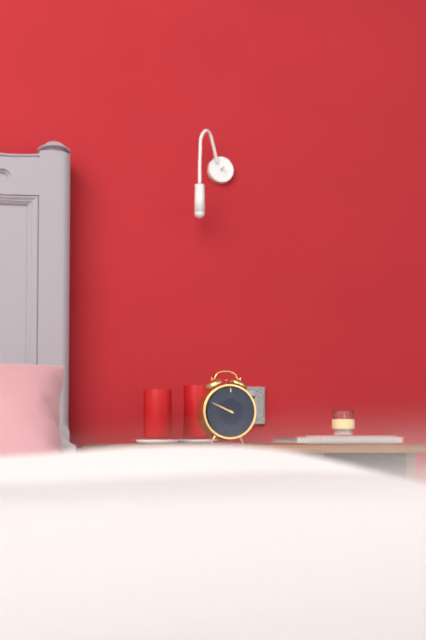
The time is 9:49
